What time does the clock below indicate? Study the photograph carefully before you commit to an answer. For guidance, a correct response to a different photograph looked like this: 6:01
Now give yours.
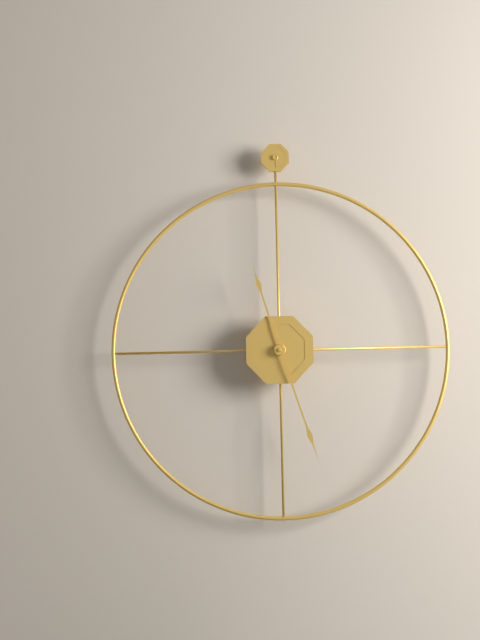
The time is 11:27
